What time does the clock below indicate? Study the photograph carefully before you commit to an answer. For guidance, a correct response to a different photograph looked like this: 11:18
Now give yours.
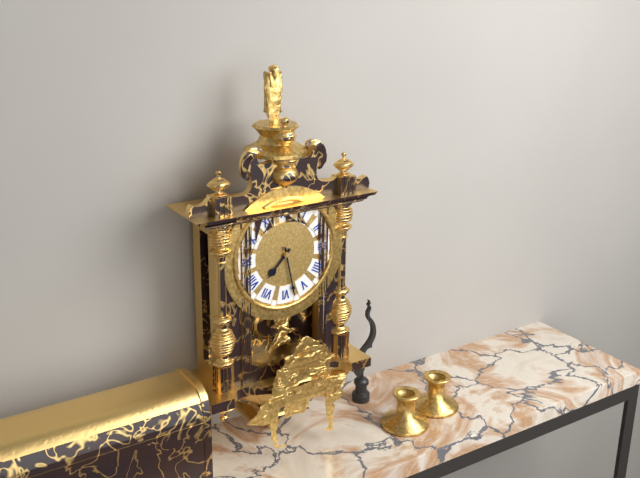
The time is 7:28
